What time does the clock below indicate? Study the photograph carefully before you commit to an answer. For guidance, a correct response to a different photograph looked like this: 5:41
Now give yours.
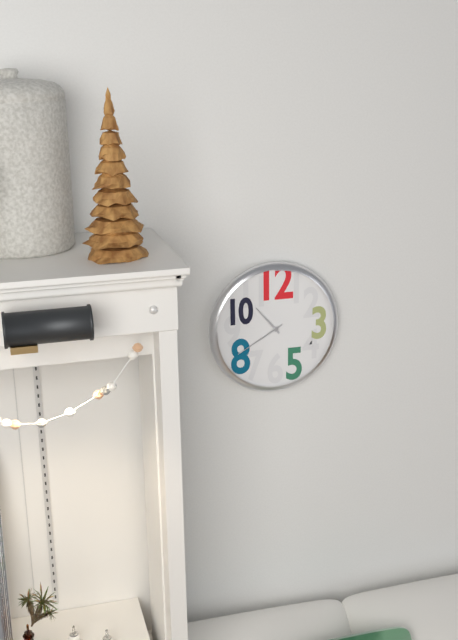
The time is 10:40
